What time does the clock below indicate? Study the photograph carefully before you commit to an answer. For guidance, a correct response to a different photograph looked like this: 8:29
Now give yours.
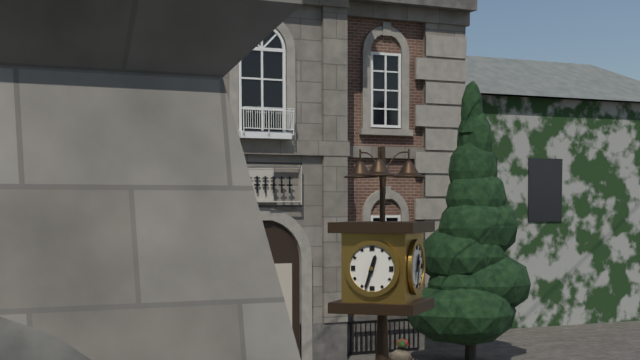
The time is 12:33
